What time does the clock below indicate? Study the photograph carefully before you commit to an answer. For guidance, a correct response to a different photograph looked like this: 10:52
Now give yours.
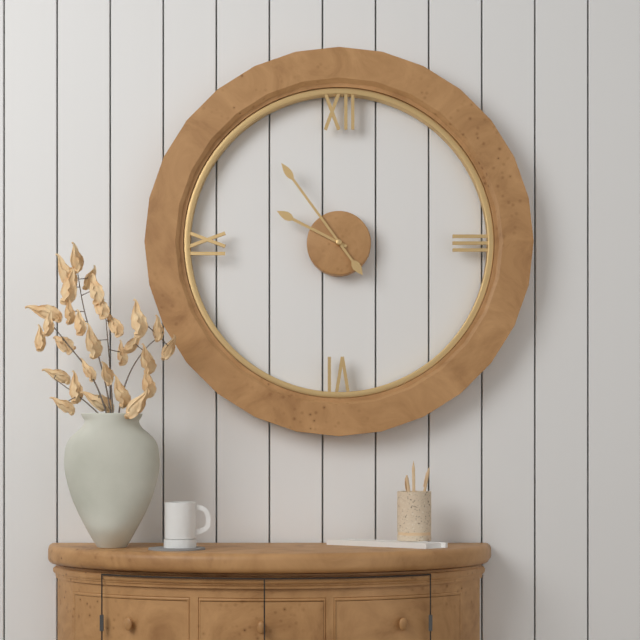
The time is 9:54
